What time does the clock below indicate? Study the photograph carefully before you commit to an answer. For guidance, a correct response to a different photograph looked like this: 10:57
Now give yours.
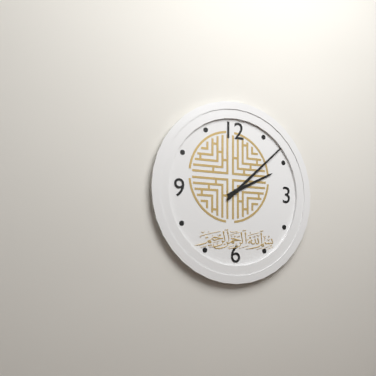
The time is 2:08
